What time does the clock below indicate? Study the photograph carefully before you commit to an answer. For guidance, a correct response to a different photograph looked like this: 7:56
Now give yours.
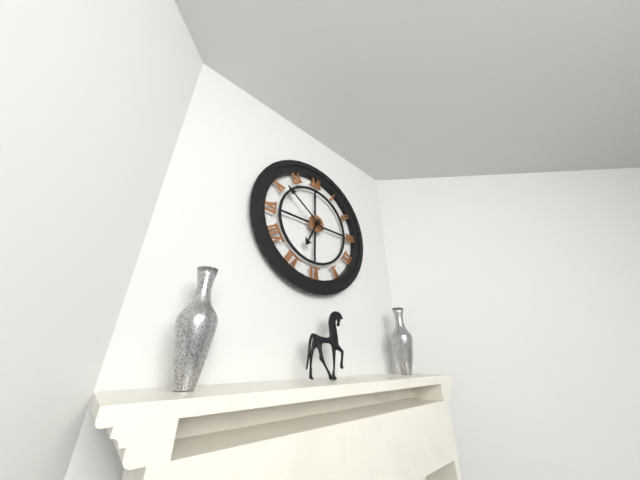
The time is 6:51
